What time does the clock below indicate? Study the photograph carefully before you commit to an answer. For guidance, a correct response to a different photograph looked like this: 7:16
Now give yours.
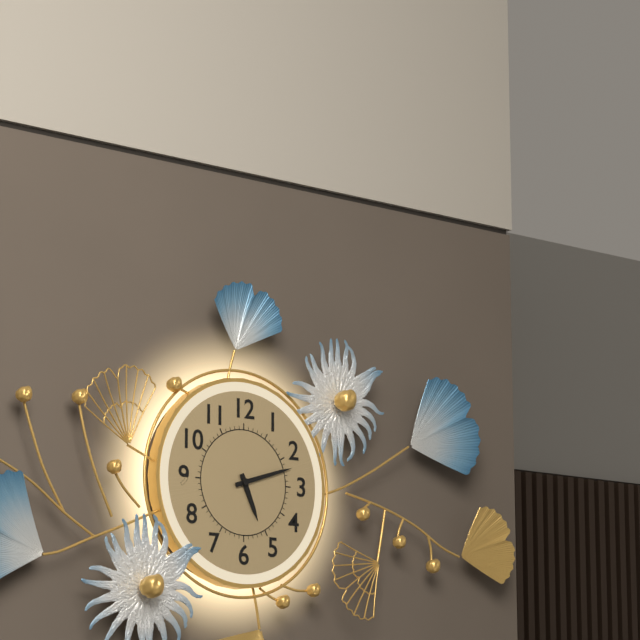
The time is 5:12
